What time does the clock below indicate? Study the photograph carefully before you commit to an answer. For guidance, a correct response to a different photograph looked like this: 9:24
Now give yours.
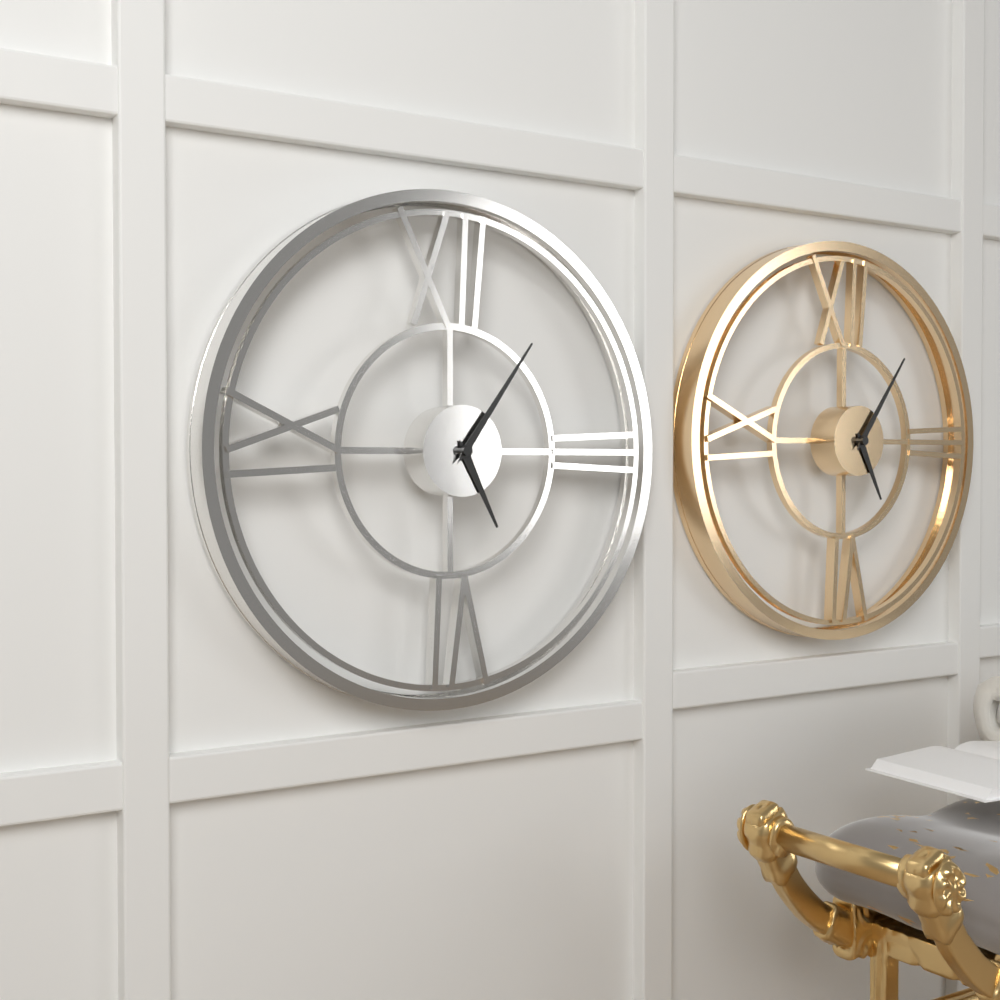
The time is 5:06
